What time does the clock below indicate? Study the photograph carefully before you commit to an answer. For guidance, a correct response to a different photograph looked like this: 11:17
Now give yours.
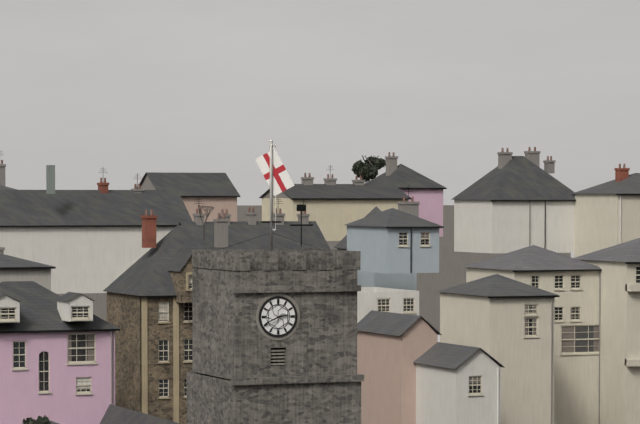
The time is 2:41
